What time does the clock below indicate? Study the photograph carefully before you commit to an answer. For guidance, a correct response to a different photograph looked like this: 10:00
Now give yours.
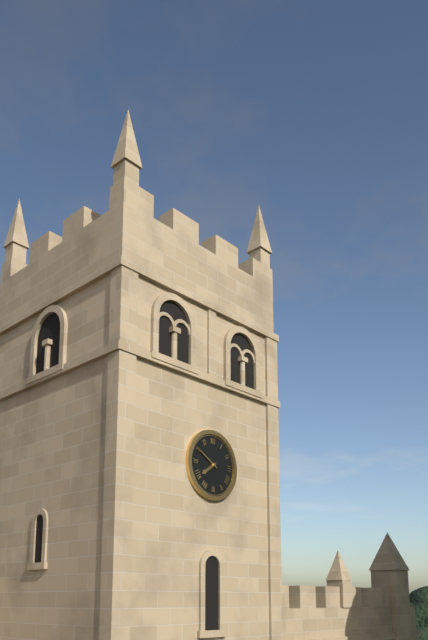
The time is 7:50
